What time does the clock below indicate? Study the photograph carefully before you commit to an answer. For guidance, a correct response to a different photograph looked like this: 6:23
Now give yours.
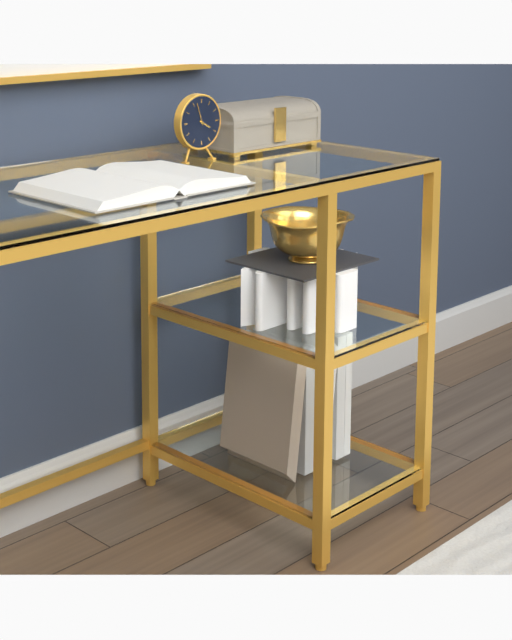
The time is 3:57
